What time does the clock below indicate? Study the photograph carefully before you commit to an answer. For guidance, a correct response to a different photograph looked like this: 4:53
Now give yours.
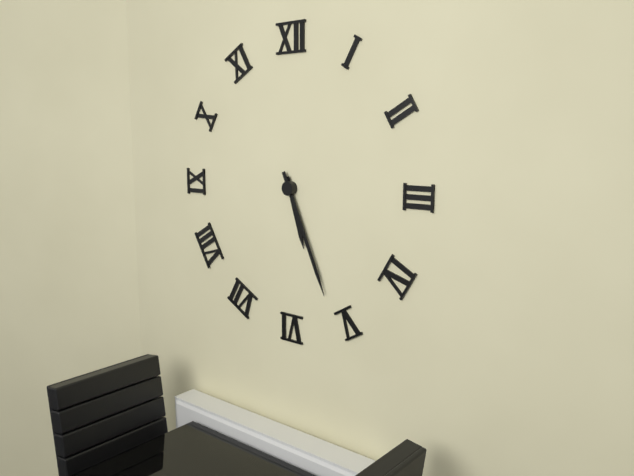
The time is 5:26
